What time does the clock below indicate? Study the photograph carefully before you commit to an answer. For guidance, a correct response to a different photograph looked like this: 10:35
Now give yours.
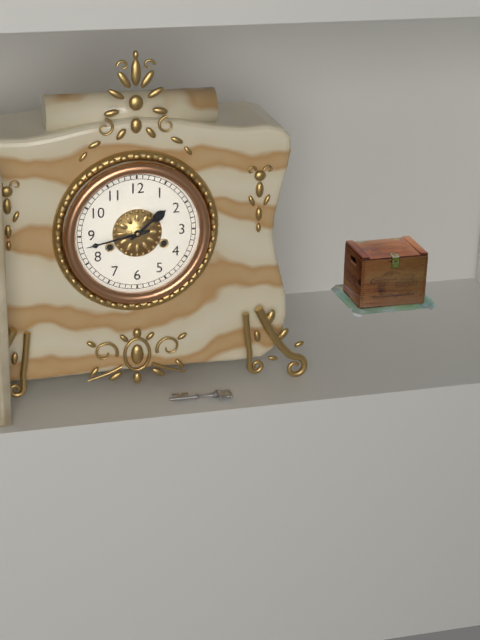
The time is 1:43
